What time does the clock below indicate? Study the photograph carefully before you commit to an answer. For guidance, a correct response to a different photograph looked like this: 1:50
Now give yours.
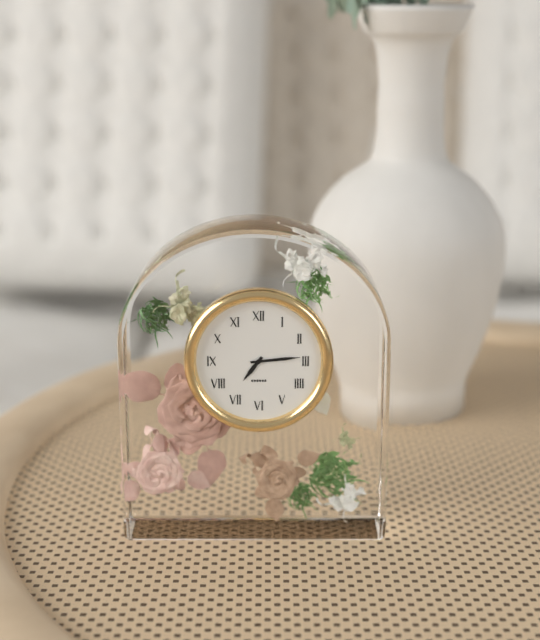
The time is 7:14
